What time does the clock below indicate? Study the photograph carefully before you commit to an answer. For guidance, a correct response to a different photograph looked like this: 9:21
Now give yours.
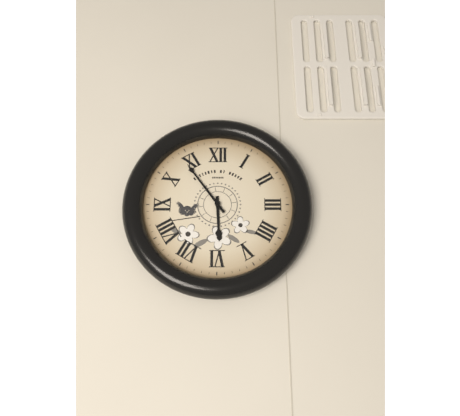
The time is 5:54
